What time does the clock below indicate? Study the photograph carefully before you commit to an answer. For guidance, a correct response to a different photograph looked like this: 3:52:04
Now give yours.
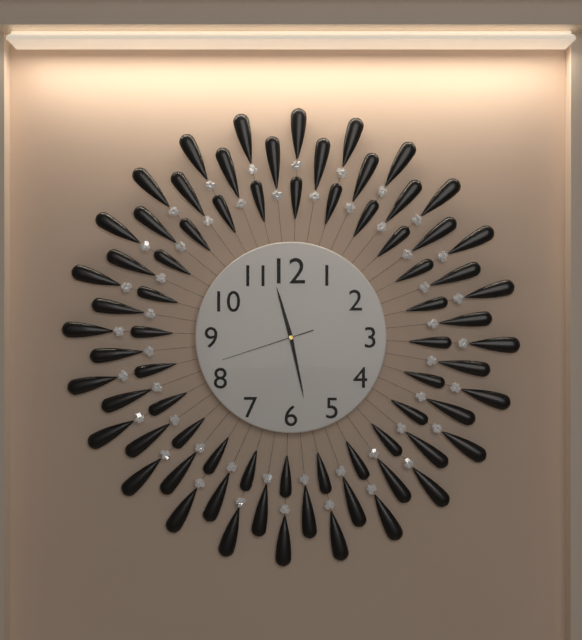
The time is 11:28:42
